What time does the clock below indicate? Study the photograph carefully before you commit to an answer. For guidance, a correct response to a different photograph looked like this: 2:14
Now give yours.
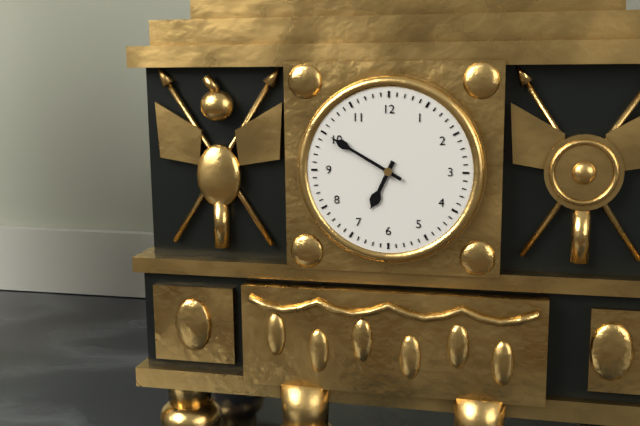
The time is 6:50
